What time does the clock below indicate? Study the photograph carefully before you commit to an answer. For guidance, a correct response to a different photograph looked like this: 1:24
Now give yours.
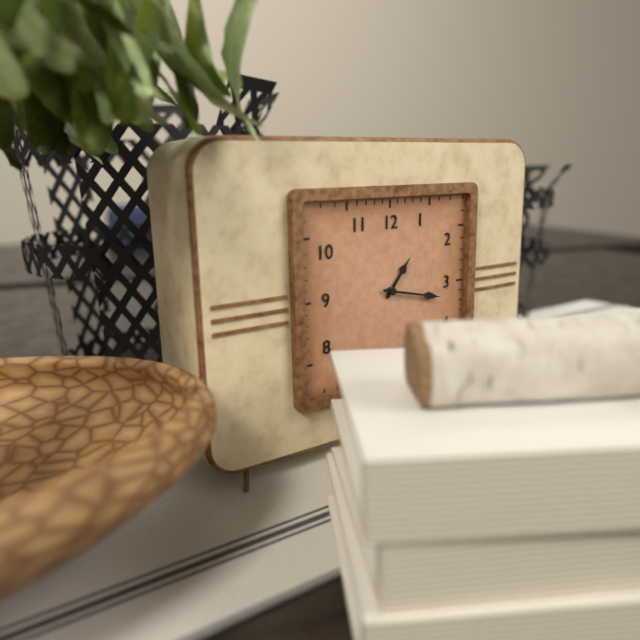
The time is 1:17
